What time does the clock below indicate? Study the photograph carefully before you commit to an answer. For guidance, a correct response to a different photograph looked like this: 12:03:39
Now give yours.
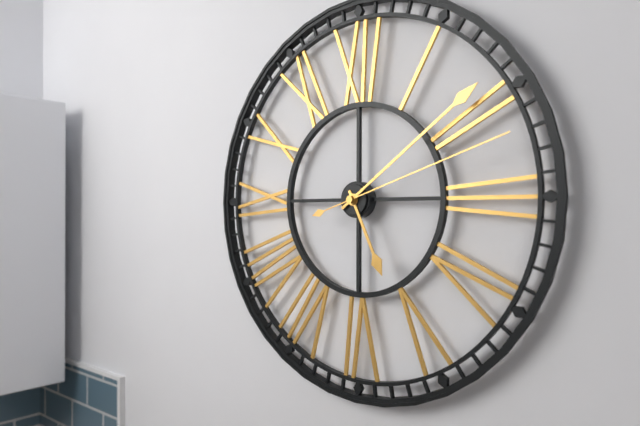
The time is 5:09:12
